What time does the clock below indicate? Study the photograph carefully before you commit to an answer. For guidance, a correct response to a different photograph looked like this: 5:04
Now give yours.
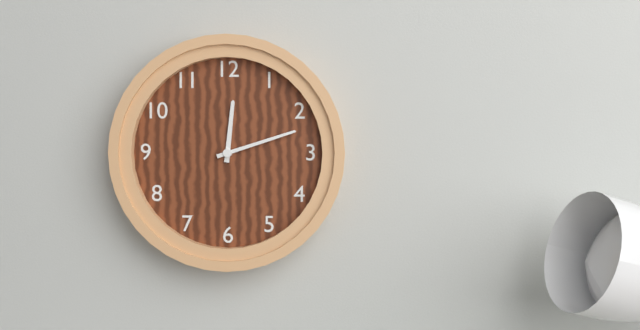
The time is 12:12
